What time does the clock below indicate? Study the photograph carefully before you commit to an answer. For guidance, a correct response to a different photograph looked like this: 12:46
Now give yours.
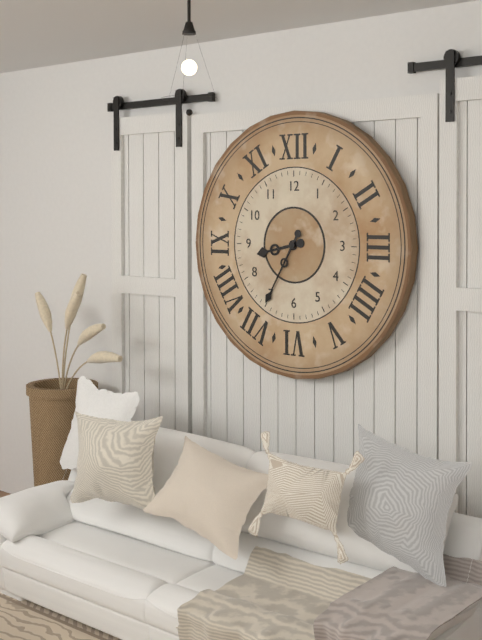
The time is 8:35
